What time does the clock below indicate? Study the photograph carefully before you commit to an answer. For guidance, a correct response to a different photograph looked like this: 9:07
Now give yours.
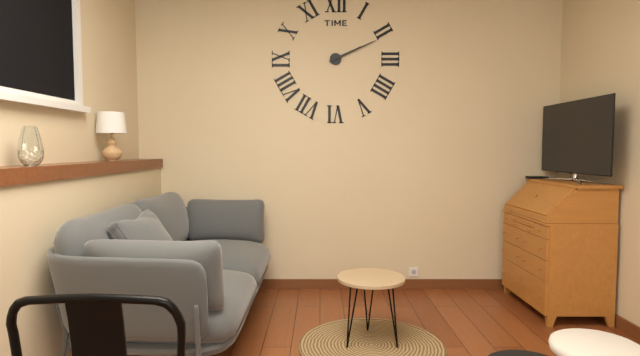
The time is 2:11
